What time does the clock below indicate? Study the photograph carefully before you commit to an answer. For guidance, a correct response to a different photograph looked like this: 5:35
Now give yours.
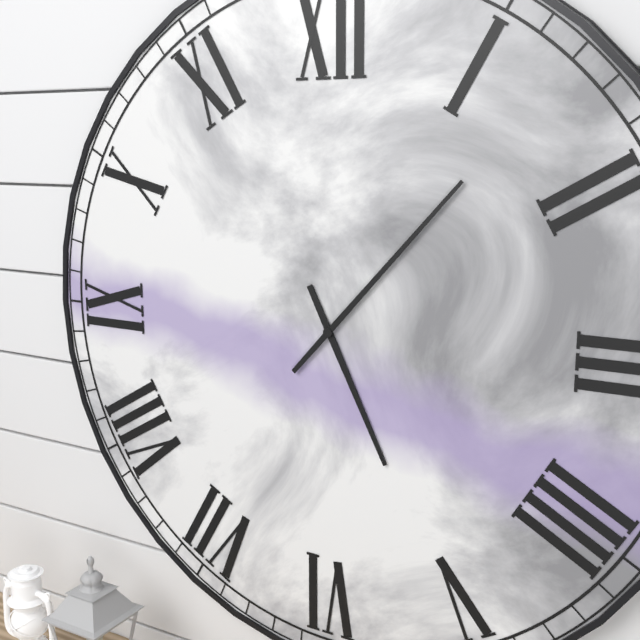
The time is 5:07
